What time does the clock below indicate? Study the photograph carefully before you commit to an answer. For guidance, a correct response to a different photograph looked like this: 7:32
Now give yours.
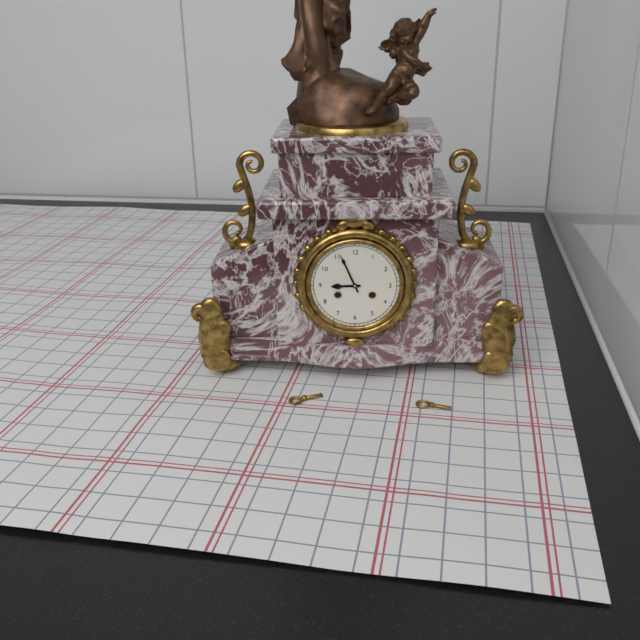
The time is 8:56
